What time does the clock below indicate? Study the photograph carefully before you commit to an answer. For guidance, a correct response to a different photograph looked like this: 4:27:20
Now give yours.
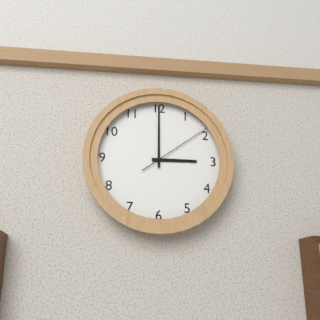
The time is 3:00:09
